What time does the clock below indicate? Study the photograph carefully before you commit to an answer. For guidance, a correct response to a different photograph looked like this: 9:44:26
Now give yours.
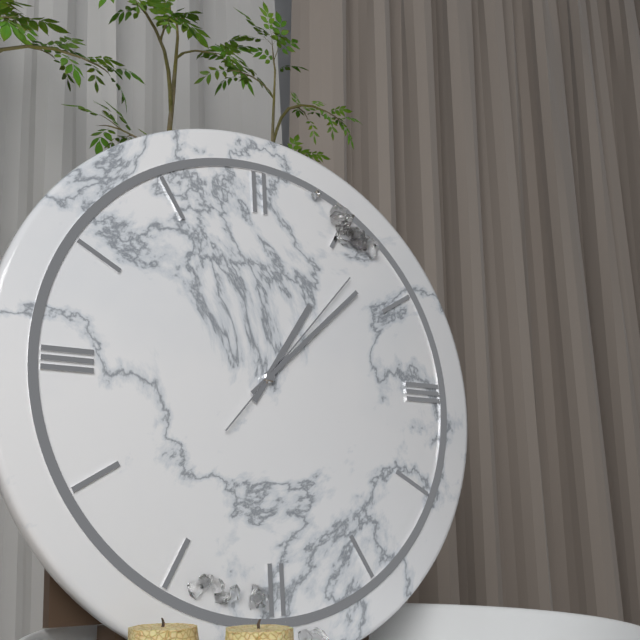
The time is 1:08:07
